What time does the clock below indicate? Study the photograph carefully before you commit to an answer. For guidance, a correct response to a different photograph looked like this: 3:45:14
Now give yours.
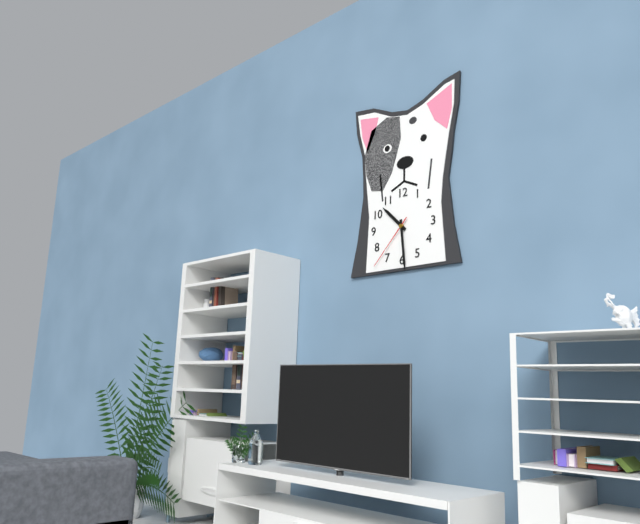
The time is 10:29:37
